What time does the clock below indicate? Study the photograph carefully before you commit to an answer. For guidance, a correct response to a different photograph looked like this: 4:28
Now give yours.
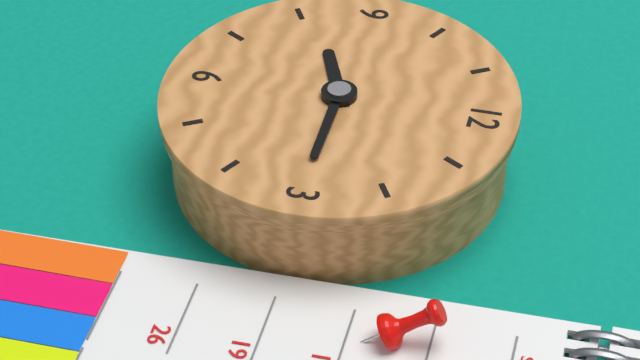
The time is 8:15
